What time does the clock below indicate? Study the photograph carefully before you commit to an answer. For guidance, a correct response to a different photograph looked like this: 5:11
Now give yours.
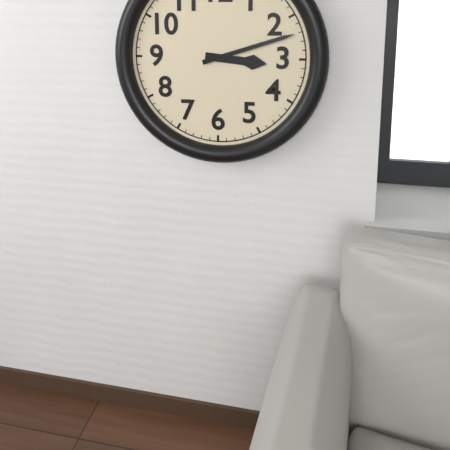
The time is 3:12
